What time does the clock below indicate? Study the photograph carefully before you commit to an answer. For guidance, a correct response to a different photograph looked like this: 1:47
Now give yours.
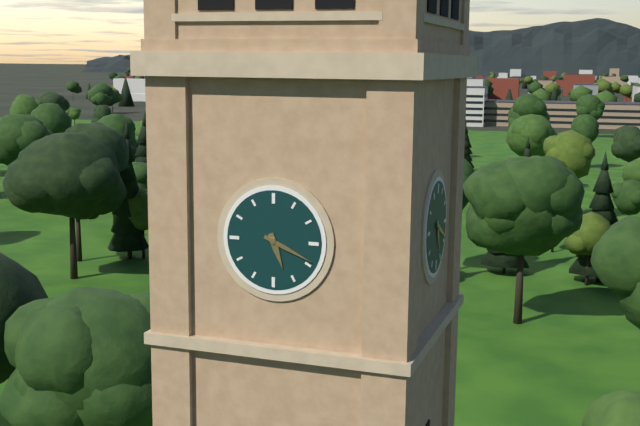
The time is 5:19
